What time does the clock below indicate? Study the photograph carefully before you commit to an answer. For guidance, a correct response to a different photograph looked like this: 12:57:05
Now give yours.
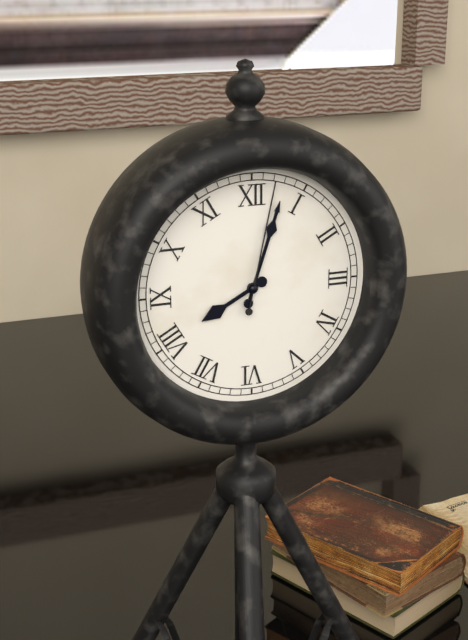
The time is 8:03:02
